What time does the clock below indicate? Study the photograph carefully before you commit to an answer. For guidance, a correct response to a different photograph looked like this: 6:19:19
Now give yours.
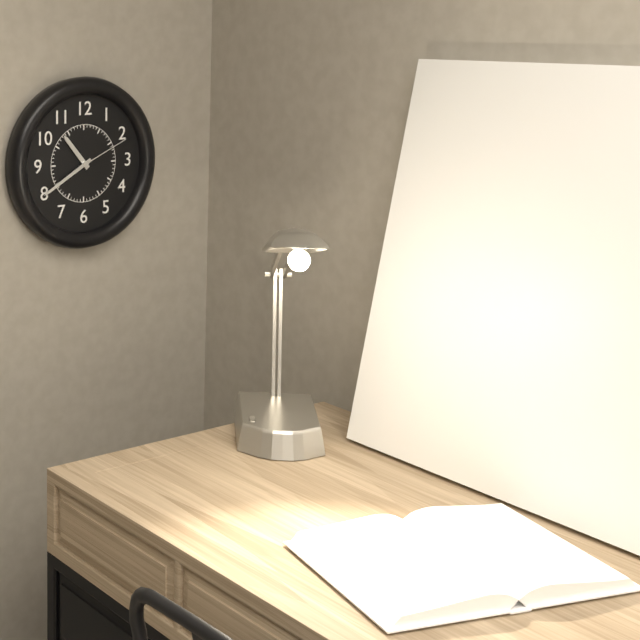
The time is 10:40:11
